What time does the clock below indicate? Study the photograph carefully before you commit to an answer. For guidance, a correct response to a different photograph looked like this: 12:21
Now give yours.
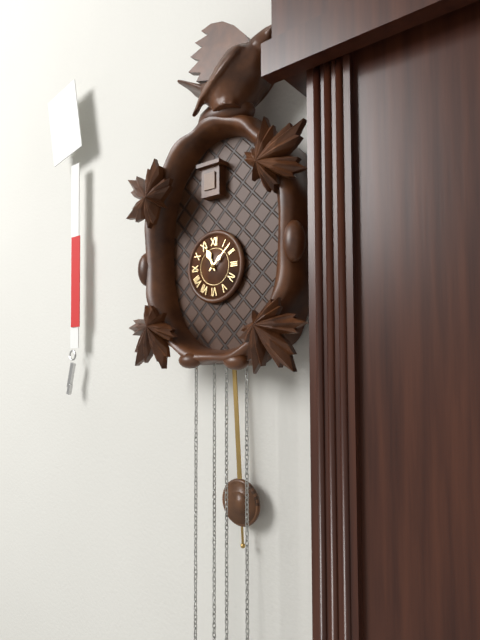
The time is 11:08
